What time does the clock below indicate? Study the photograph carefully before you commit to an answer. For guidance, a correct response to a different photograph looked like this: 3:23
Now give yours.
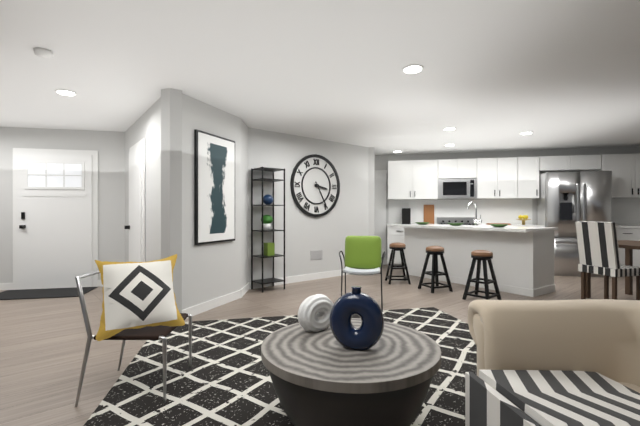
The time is 3:25
